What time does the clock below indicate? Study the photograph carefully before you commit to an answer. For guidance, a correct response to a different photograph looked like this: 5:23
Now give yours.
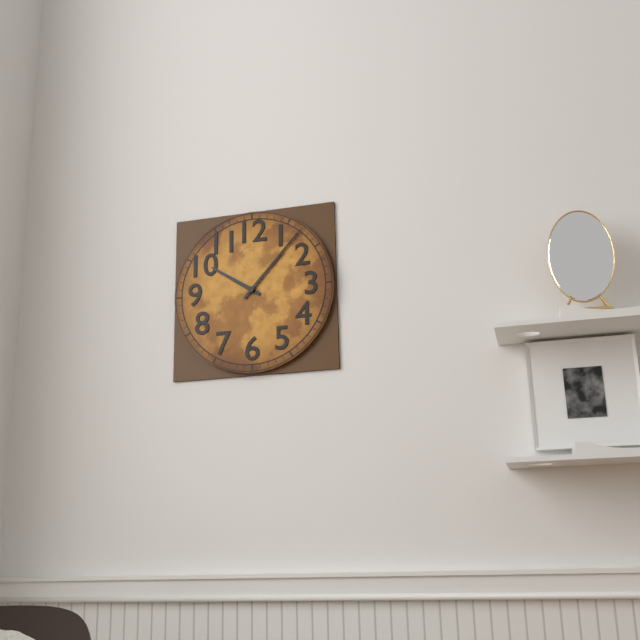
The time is 10:07
